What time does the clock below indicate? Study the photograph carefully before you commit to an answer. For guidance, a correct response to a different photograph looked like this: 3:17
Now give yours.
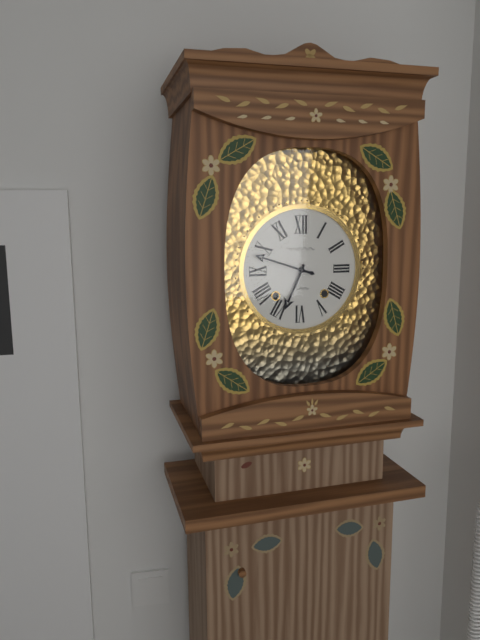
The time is 6:48
